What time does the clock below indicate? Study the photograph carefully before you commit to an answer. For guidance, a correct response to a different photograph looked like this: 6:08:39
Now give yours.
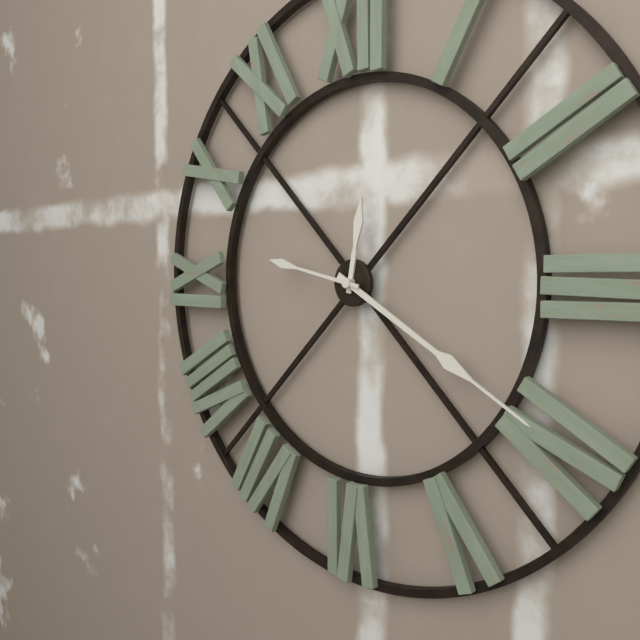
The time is 12:20:47
